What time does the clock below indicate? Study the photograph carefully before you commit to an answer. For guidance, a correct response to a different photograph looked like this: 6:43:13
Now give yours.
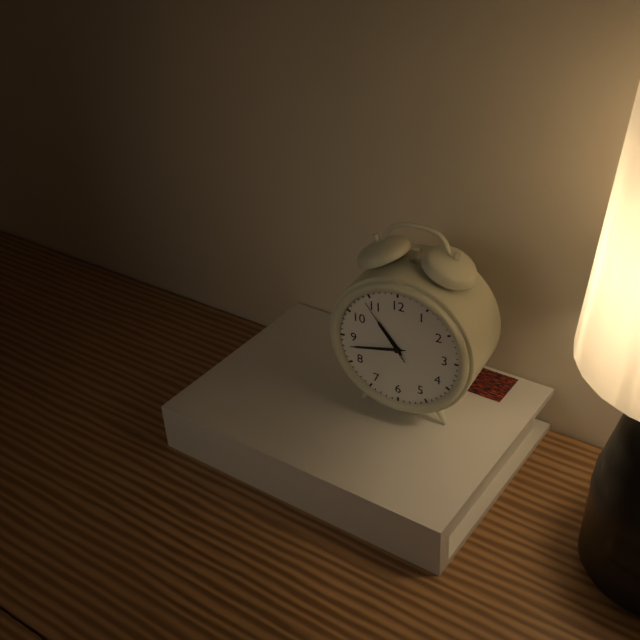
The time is 10:43:54
